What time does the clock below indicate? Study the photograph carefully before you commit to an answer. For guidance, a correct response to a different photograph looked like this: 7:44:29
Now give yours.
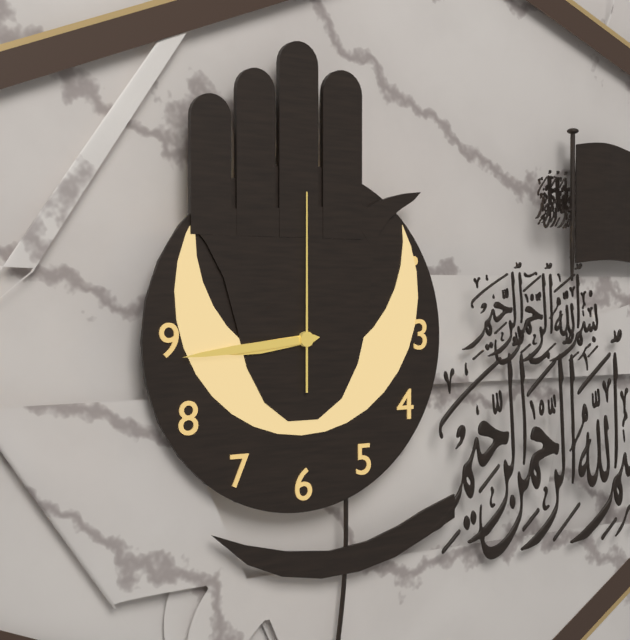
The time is 8:44:00
